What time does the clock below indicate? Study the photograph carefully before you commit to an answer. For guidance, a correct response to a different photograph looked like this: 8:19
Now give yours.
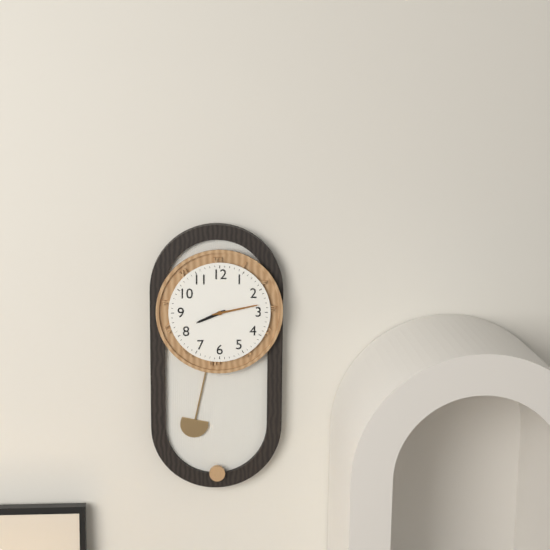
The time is 8:13
